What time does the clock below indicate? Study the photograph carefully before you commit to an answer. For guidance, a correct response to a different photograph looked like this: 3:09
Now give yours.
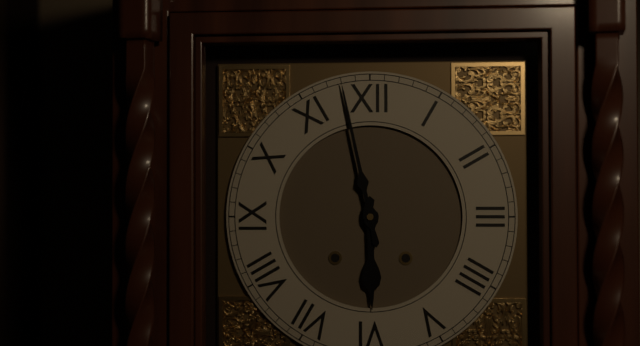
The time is 5:58
